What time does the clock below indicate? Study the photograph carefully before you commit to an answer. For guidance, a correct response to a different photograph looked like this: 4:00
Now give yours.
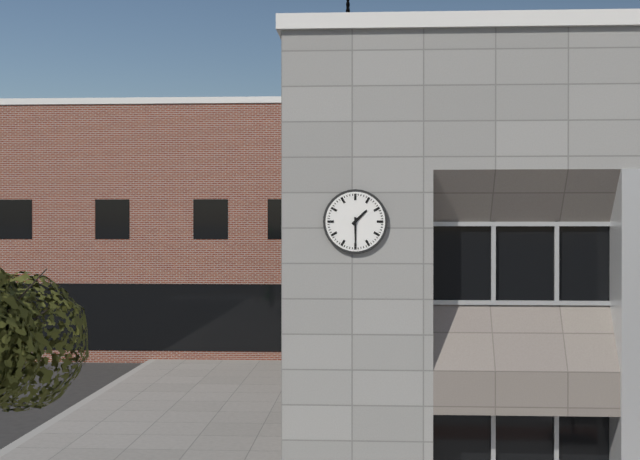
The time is 1:30
